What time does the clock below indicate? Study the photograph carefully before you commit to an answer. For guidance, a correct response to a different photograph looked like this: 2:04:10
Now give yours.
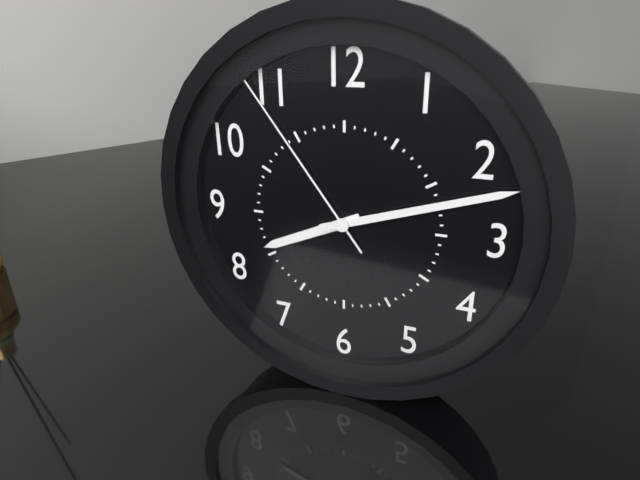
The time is 8:12:54
